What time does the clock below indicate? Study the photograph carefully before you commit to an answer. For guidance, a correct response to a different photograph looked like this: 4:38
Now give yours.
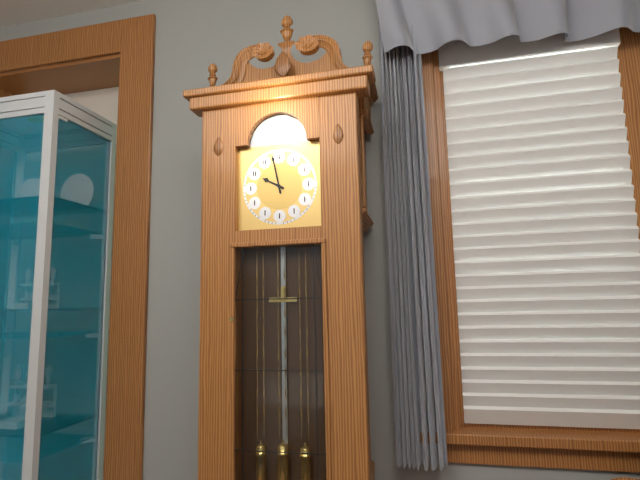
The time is 9:58
